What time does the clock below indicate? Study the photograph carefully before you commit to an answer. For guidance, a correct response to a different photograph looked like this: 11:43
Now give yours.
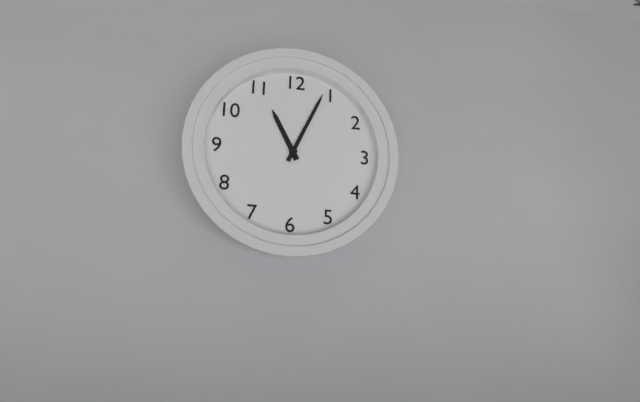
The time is 11:04
